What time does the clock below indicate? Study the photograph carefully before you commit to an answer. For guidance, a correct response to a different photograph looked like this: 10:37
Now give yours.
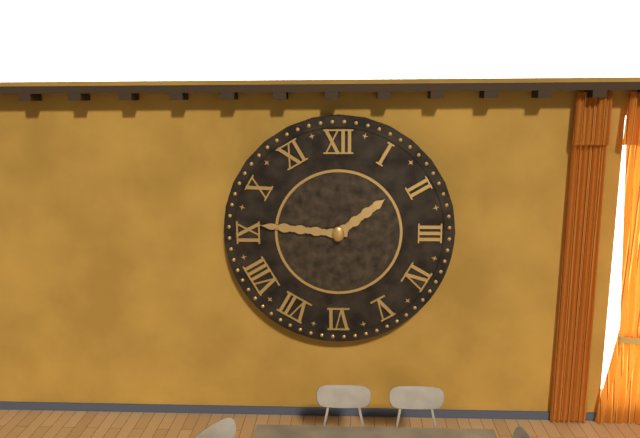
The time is 1:46
